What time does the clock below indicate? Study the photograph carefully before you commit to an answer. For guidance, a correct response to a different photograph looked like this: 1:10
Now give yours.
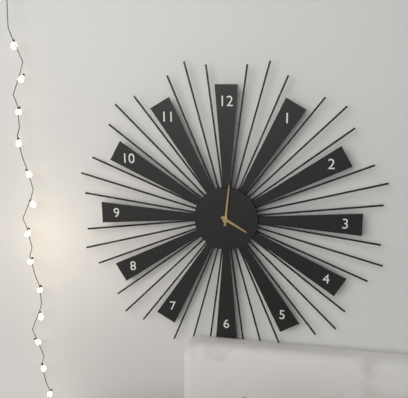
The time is 4:01
